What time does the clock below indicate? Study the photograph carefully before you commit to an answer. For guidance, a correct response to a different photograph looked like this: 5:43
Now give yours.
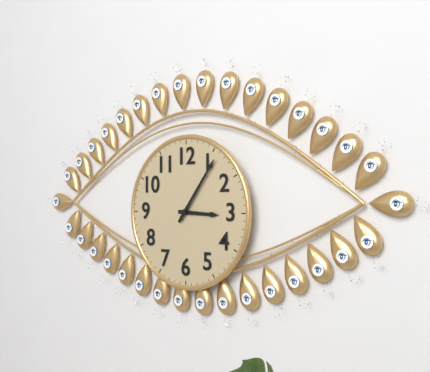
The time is 3:06
